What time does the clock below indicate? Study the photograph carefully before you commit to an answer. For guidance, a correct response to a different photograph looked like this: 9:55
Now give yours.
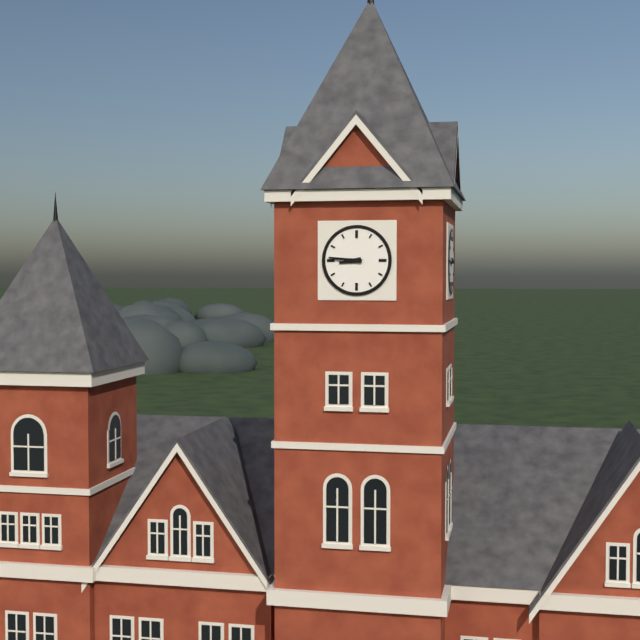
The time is 8:46
